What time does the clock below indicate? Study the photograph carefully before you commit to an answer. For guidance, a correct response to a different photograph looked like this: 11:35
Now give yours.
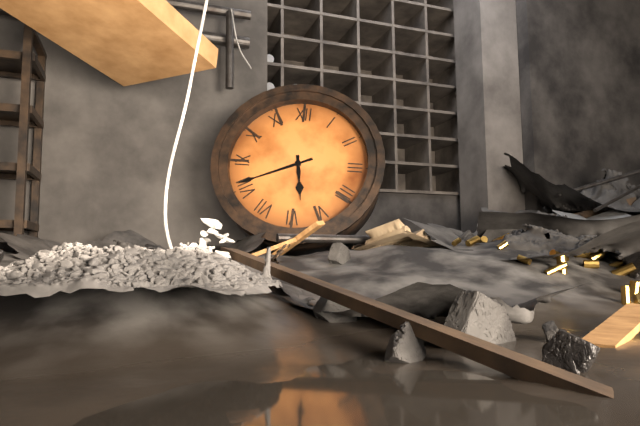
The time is 5:41
